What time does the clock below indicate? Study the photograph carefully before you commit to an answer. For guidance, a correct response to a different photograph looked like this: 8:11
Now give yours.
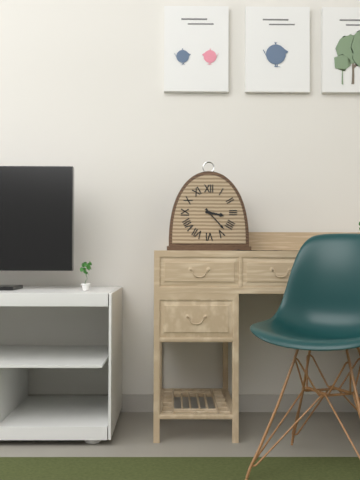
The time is 3:23
